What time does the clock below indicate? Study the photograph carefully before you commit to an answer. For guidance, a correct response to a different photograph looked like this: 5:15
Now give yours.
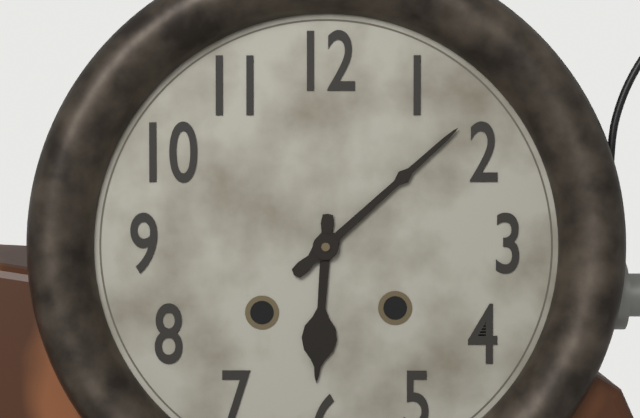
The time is 6:08
